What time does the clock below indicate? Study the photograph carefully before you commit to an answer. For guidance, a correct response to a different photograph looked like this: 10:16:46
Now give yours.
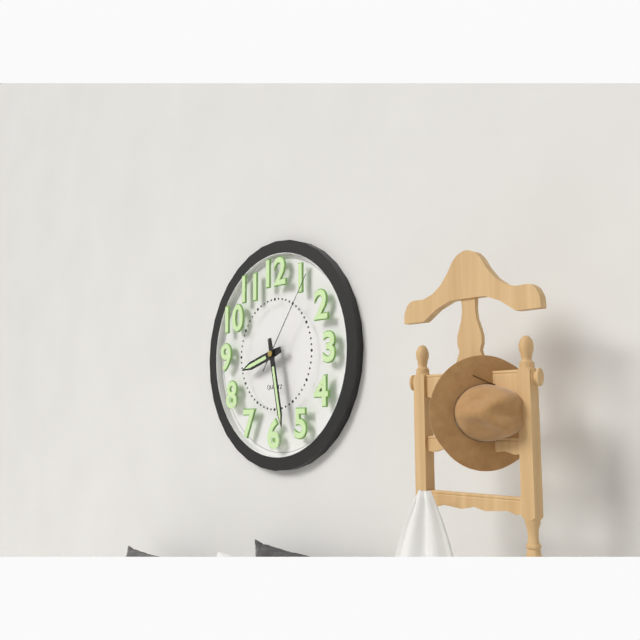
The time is 8:28:06
